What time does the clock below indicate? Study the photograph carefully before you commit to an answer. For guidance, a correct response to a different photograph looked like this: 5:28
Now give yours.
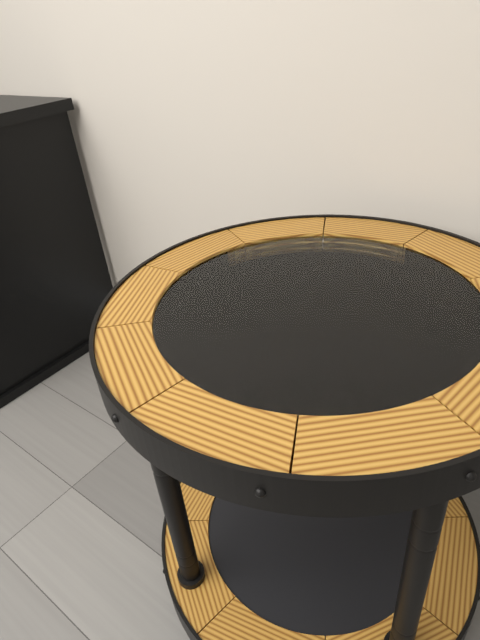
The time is 5:48
